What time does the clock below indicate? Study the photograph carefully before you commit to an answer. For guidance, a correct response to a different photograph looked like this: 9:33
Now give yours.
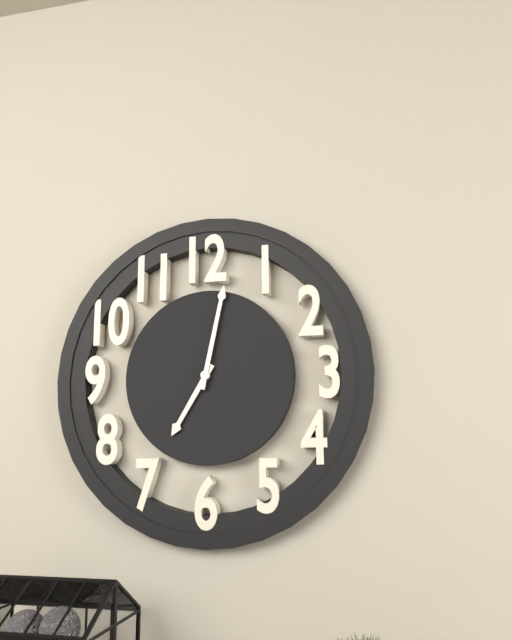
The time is 7:02
